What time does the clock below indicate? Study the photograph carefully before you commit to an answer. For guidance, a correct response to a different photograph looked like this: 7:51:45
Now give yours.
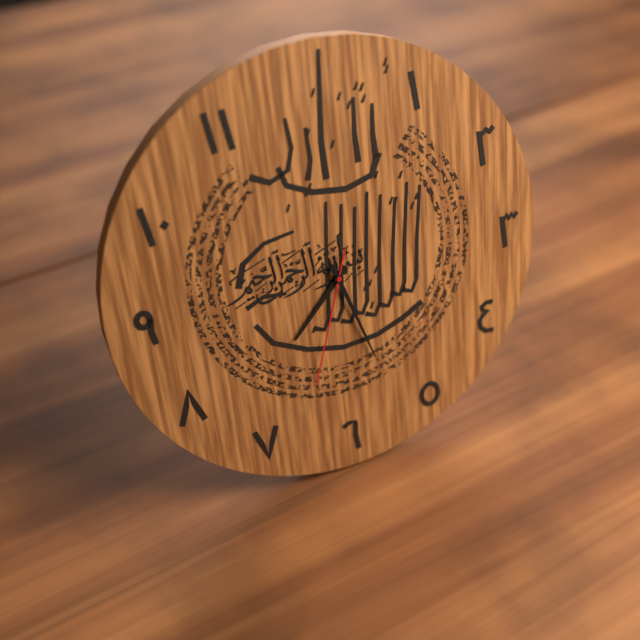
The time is 7:27:33
